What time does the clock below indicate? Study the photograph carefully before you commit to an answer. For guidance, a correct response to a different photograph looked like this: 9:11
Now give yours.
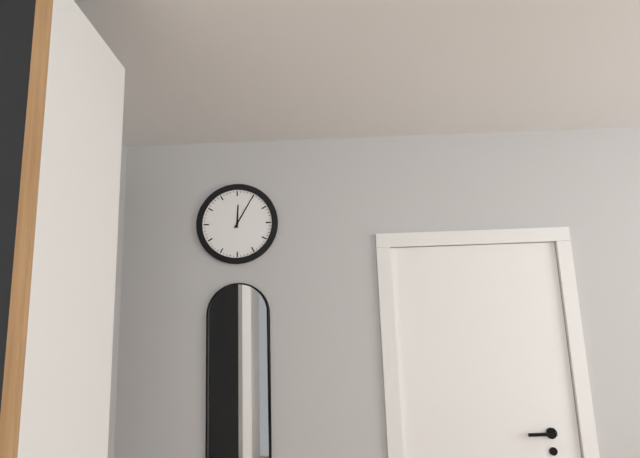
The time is 12:05
